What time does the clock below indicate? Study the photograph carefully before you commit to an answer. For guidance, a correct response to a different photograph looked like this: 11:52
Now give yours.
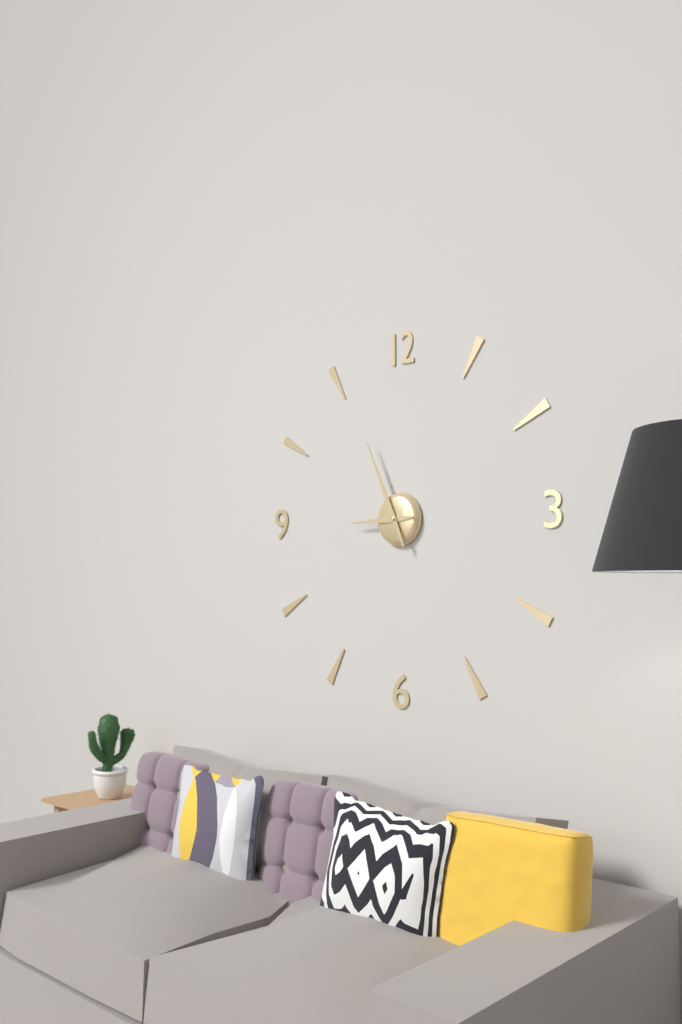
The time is 8:56
